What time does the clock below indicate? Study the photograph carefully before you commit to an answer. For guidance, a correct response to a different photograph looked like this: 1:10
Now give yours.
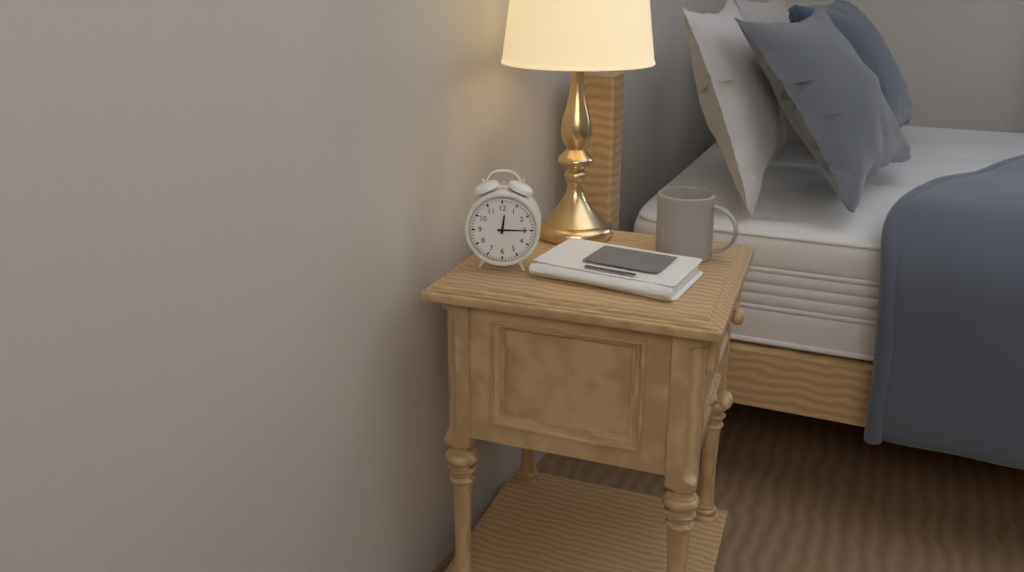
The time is 12:15
